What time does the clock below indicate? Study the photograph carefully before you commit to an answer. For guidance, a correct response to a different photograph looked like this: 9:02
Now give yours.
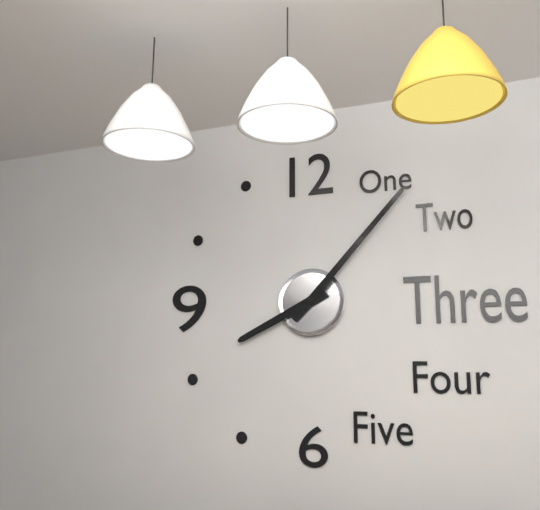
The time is 8:07
